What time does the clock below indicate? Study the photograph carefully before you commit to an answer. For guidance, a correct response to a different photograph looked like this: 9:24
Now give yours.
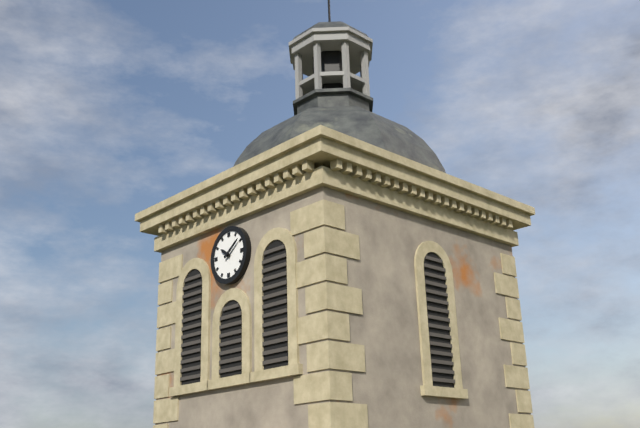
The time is 10:09
